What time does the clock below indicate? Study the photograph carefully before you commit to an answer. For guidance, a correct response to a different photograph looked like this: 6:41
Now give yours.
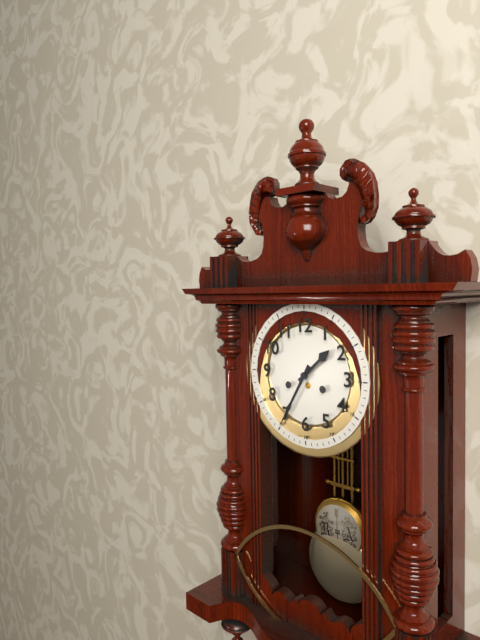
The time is 1:35
